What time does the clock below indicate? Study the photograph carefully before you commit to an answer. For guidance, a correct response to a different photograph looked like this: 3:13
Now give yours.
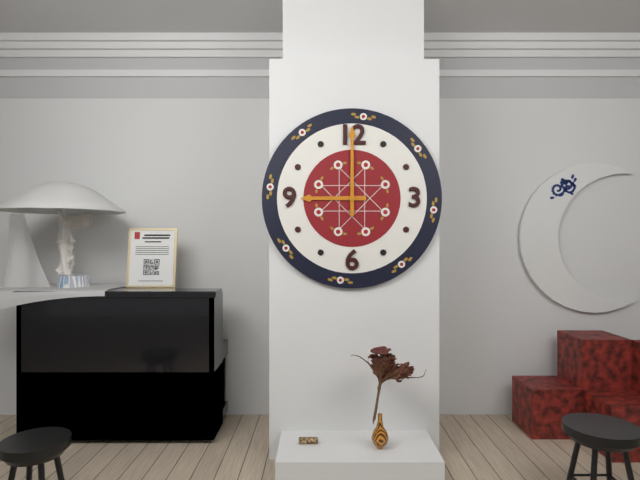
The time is 9:00
